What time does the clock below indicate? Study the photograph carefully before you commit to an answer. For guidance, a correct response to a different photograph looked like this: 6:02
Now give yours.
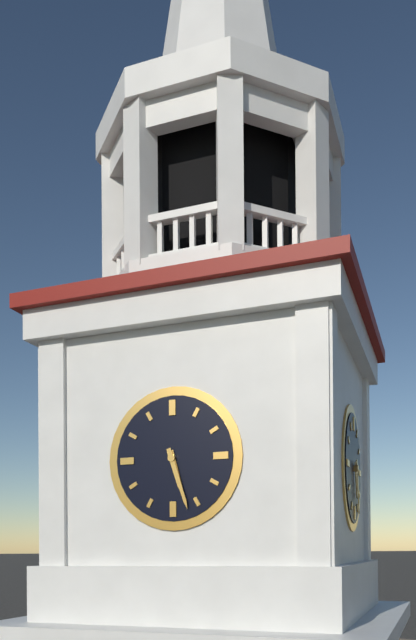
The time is 5:27
